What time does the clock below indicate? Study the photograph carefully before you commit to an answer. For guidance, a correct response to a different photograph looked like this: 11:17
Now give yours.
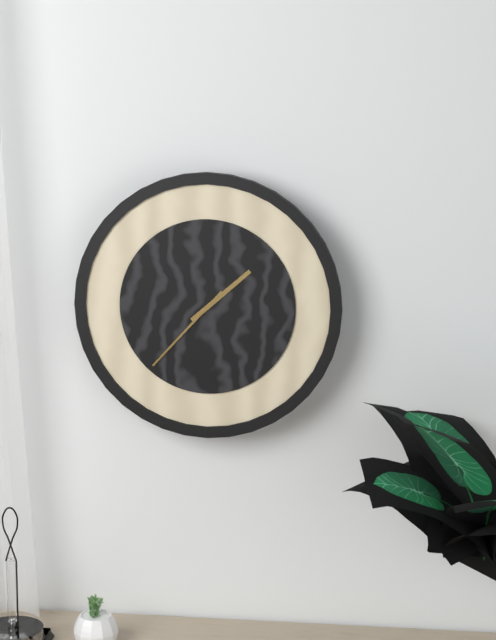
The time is 1:37
